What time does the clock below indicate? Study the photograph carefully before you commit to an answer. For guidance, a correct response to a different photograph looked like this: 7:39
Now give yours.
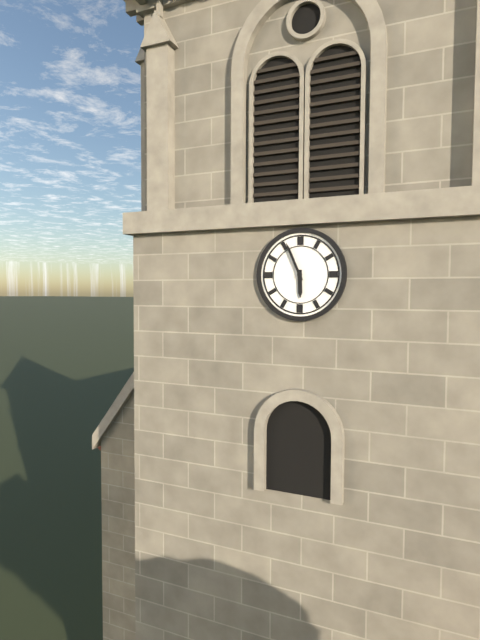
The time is 5:56
